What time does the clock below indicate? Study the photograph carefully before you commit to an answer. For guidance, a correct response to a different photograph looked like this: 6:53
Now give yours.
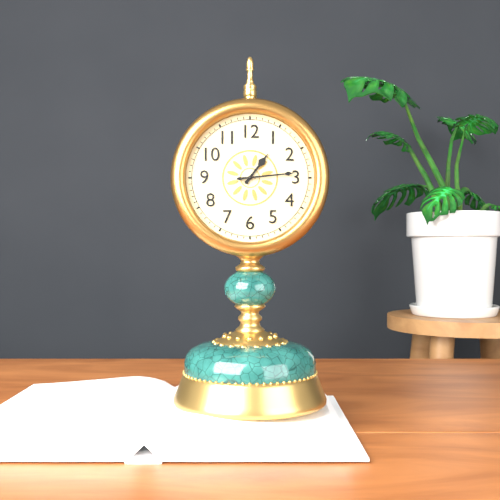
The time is 1:14
